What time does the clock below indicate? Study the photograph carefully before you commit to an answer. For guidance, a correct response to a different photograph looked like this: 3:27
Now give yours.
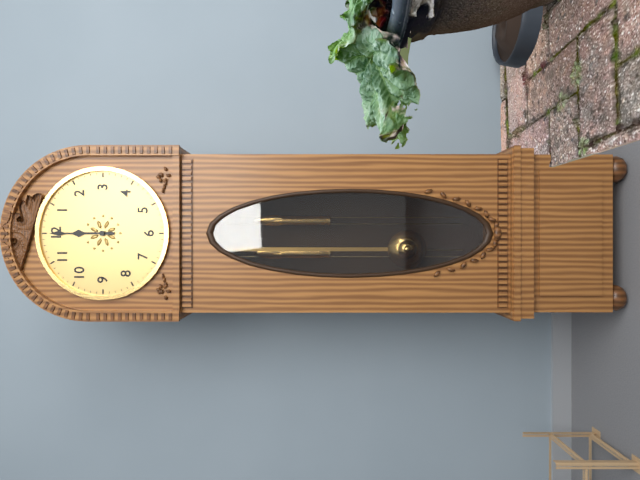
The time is 12:00
